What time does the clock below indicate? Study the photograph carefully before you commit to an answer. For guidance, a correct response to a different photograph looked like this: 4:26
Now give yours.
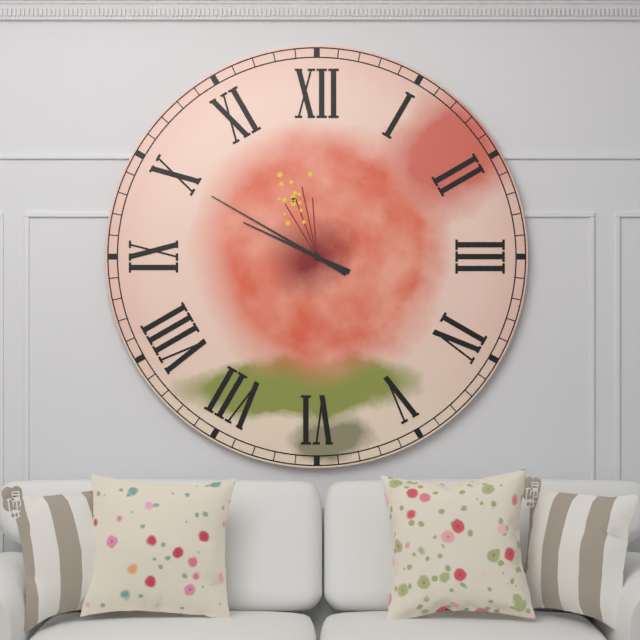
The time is 9:50
